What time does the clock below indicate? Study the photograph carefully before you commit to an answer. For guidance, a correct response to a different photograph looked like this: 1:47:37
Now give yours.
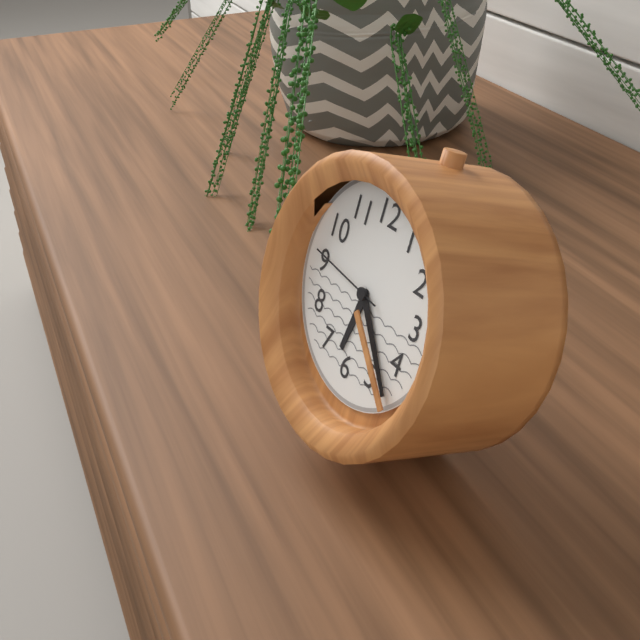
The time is 6:23:46
